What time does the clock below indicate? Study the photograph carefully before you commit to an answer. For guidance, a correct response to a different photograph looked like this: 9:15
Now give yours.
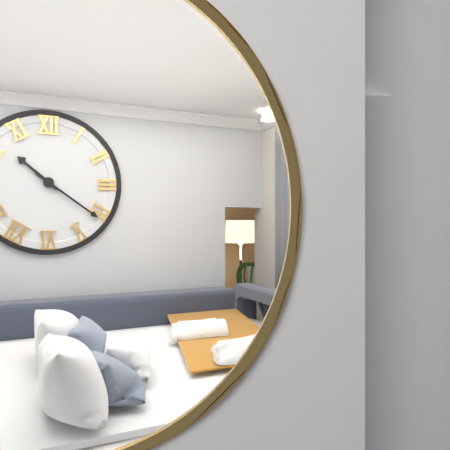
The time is 10:21
